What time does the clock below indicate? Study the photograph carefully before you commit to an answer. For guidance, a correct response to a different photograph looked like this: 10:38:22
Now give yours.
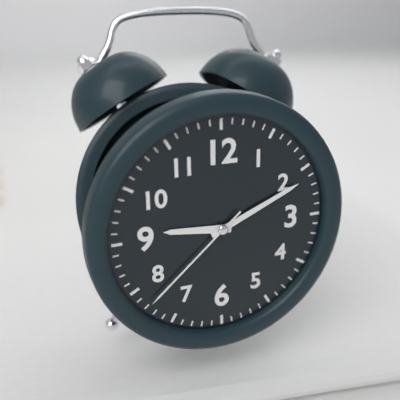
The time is 9:11:38
